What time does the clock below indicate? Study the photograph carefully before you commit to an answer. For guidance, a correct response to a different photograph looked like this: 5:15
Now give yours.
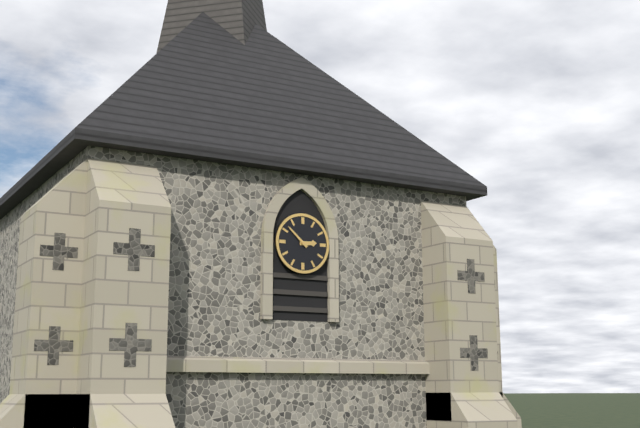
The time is 2:52
